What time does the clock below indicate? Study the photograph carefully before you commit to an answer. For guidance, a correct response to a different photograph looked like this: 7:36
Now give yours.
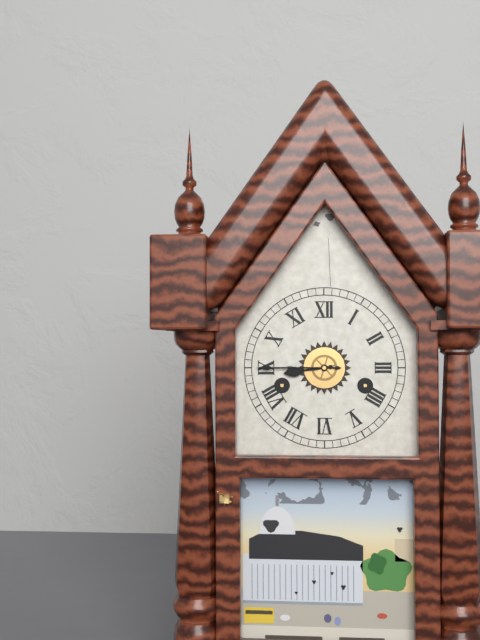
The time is 8:45
